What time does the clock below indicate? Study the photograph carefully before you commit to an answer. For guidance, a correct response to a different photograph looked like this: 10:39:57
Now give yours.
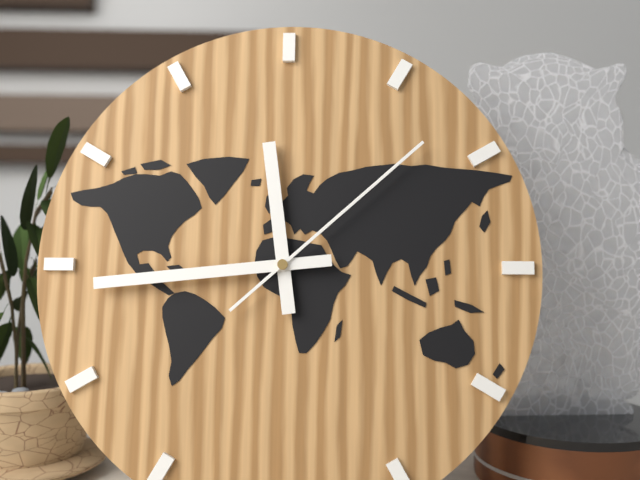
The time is 11:44:08
